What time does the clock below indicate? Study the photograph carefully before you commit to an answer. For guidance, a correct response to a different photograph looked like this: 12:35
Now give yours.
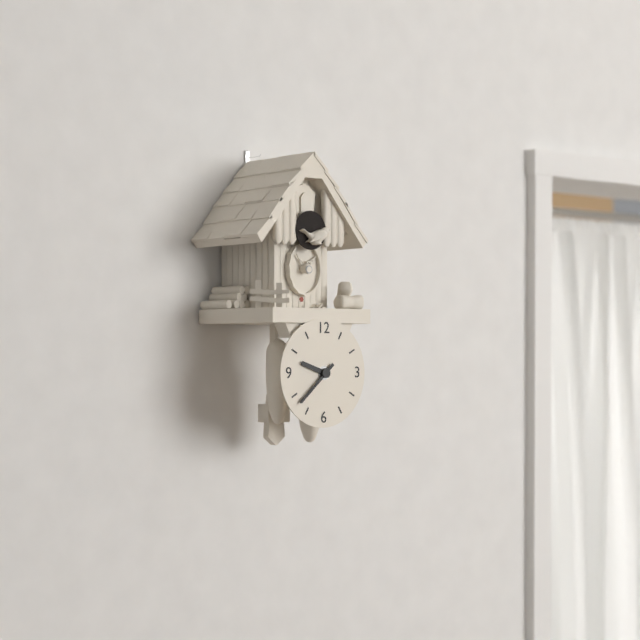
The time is 9:38
